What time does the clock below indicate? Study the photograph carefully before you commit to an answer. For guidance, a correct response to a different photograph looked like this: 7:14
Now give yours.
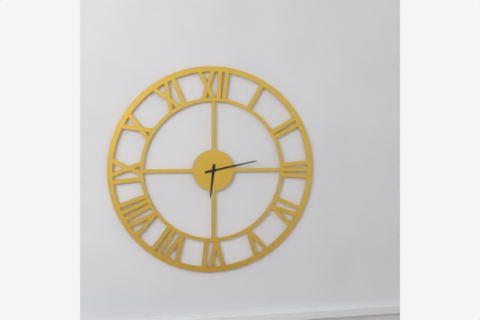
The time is 6:13
